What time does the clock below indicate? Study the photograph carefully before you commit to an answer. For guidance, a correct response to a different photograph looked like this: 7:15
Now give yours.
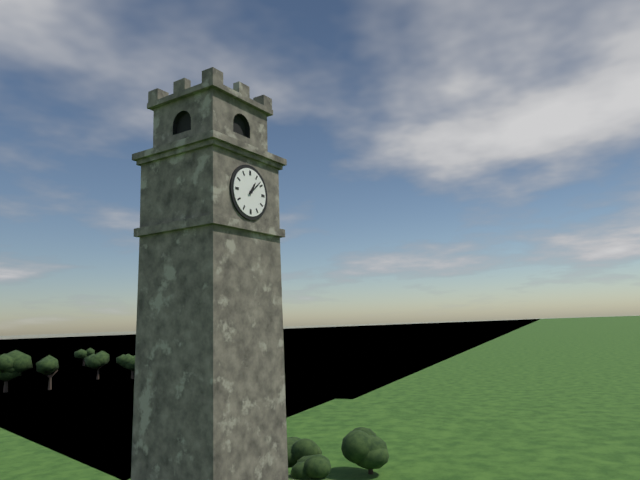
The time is 1:08
